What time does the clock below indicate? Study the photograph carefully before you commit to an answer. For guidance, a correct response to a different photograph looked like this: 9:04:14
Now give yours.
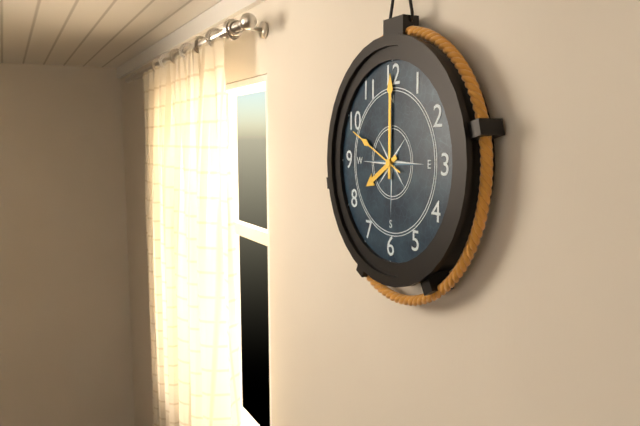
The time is 8:00:49
